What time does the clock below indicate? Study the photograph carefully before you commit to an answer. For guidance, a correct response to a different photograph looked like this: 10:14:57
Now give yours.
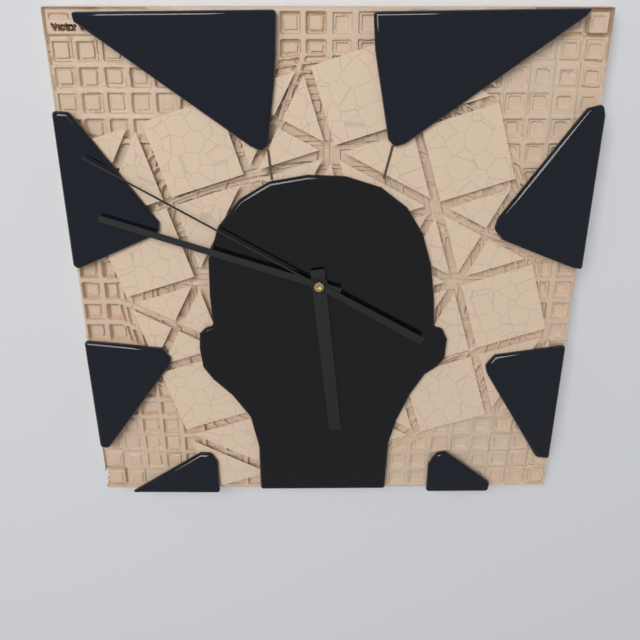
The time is 5:48:50
